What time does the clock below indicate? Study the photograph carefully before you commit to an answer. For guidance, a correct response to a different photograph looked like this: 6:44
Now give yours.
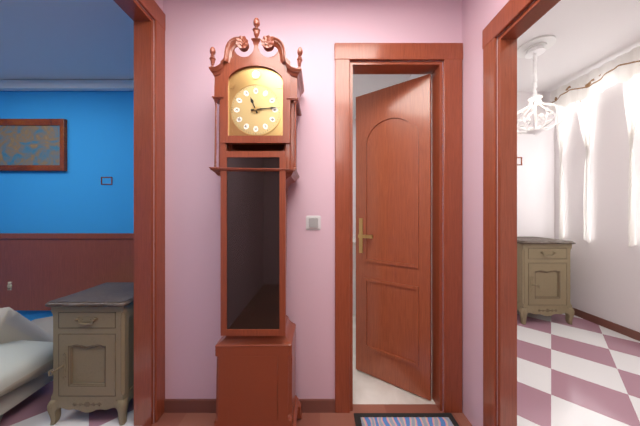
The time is 11:14
